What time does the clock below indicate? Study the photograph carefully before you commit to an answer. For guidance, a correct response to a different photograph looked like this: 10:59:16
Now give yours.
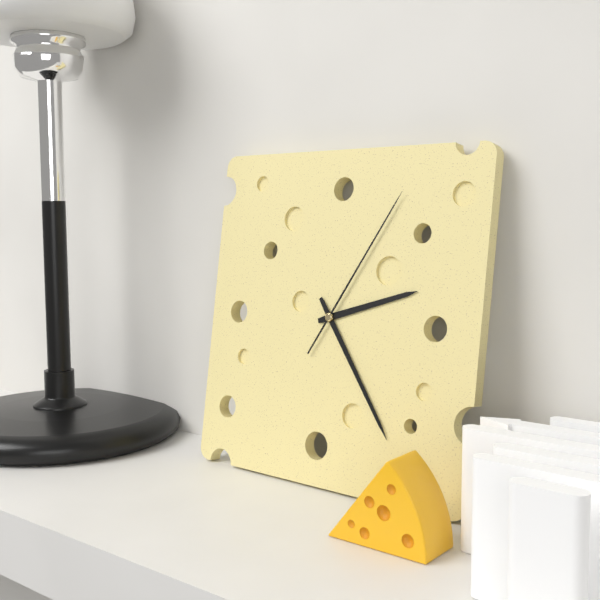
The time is 2:24:05
